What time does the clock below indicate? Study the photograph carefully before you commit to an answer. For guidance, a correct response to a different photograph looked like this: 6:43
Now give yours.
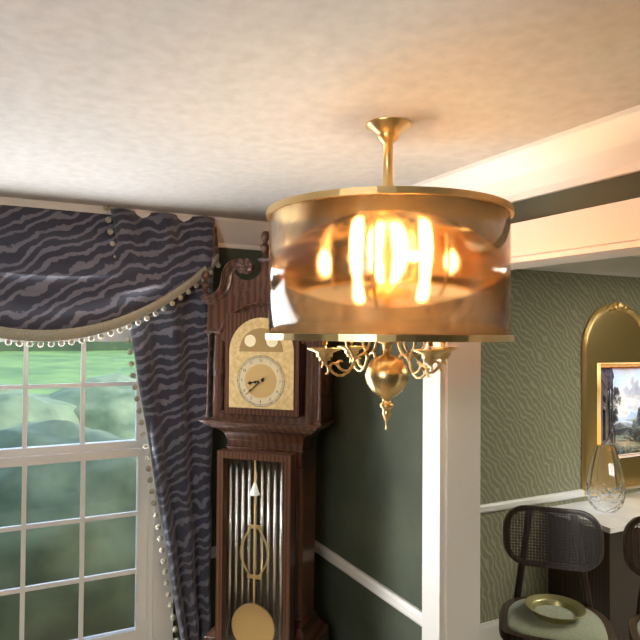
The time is 8:38
